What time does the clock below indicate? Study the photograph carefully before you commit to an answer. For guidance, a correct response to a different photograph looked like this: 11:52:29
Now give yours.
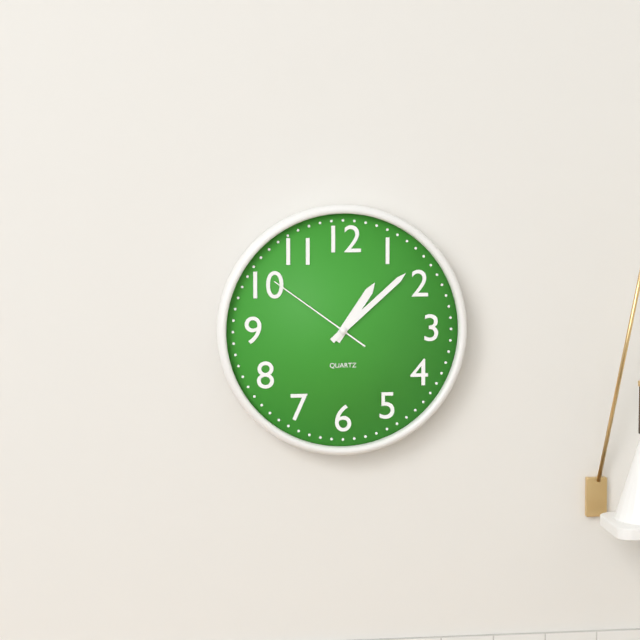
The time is 1:08:51
